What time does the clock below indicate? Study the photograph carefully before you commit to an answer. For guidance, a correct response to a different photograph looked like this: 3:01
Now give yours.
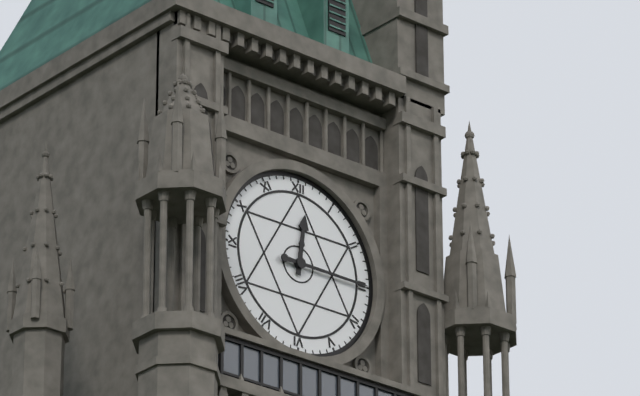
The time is 12:15
